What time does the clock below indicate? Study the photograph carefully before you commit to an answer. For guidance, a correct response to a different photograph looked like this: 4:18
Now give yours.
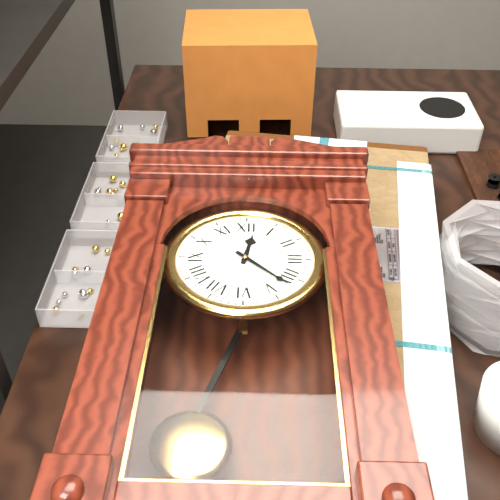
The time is 12:22
